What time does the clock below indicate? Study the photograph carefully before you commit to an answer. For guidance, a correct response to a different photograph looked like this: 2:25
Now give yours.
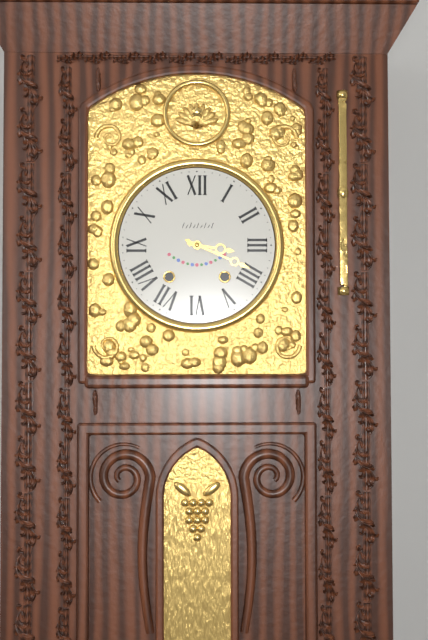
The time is 3:19
